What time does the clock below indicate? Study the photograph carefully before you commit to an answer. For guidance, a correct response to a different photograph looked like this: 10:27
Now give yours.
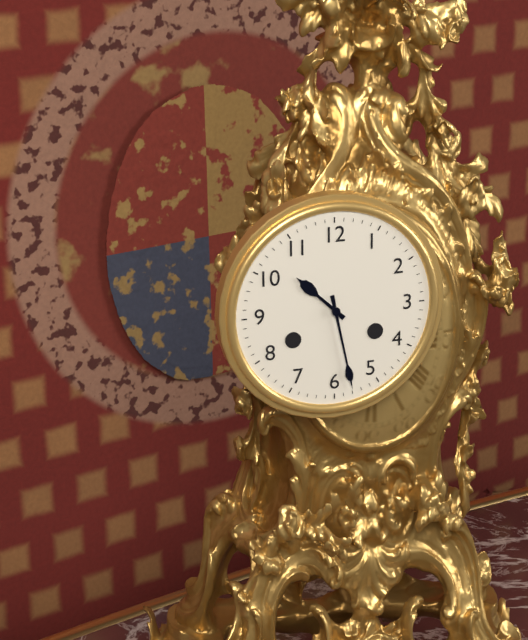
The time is 10:28
